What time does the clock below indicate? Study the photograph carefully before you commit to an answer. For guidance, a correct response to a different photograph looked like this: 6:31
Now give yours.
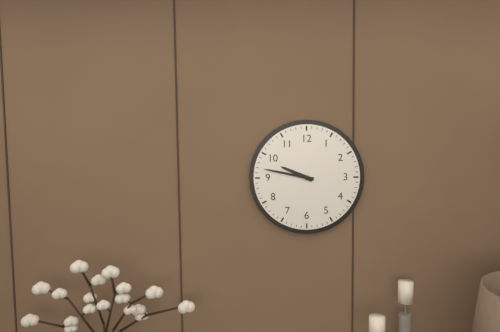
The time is 9:47
